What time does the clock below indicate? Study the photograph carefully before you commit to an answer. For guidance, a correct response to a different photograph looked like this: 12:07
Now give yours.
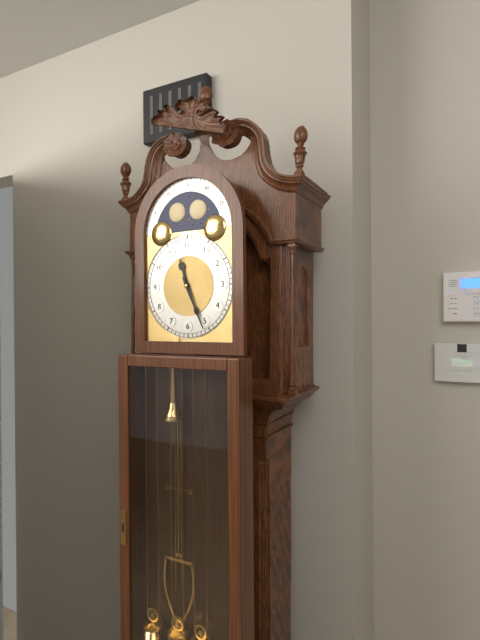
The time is 11:26
